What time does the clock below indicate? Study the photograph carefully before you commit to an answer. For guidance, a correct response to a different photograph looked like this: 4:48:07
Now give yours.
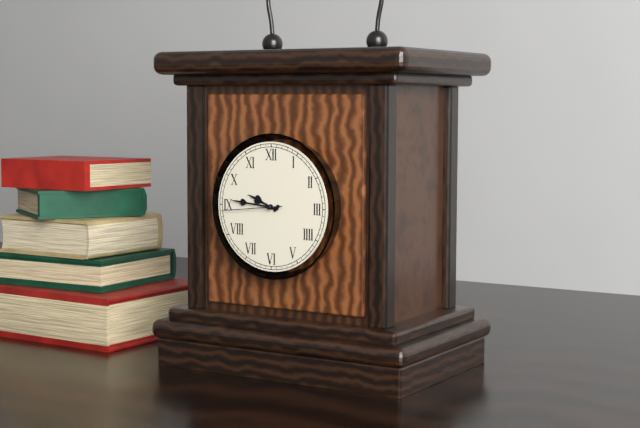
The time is 9:46:44
